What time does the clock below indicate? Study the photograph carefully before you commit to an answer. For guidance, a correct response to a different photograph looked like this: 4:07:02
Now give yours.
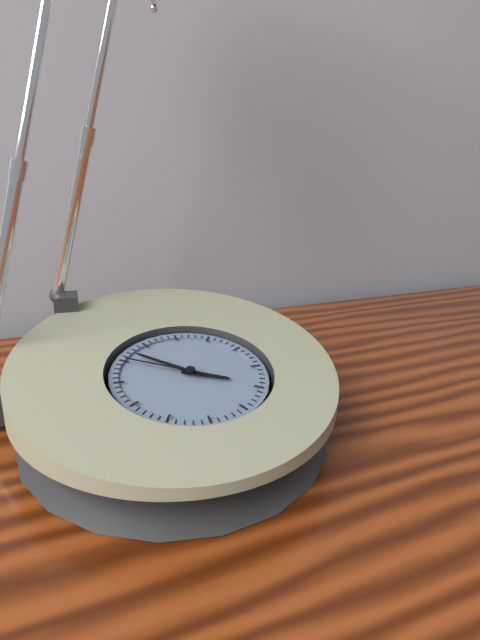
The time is 3:52:50
